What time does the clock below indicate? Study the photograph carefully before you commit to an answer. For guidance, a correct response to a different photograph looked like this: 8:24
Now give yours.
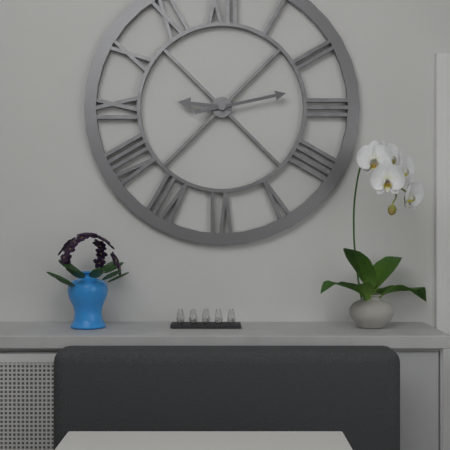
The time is 9:13
